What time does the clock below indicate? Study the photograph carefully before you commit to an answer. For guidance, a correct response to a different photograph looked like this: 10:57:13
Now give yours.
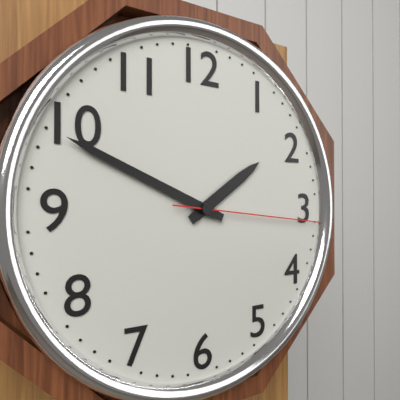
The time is 1:49:16
